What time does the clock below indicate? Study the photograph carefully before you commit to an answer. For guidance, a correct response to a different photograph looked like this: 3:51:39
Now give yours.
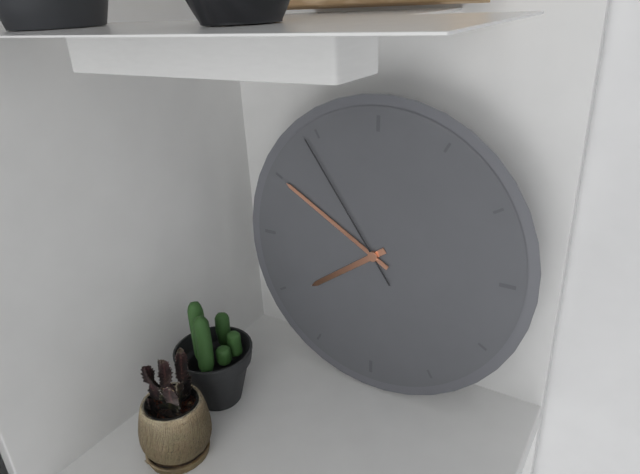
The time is 7:50:54
